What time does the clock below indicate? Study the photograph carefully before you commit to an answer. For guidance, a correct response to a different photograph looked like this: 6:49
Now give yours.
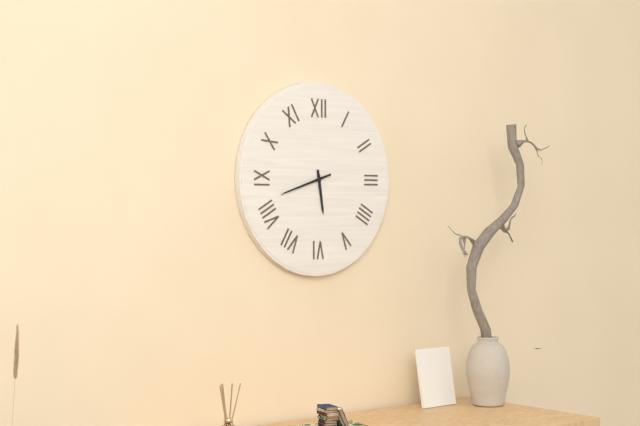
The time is 5:42
